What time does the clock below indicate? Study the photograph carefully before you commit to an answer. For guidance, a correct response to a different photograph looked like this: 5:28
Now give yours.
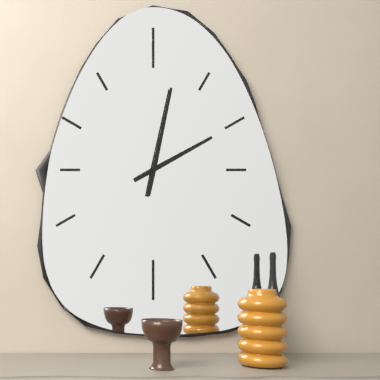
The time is 2:02
